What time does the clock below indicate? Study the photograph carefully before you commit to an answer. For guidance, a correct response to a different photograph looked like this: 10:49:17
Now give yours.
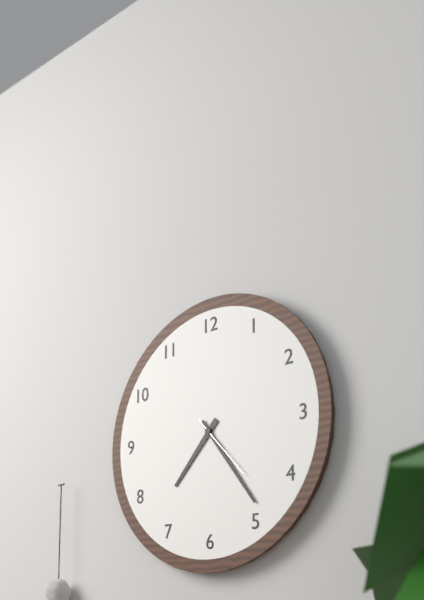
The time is 7:24:23
